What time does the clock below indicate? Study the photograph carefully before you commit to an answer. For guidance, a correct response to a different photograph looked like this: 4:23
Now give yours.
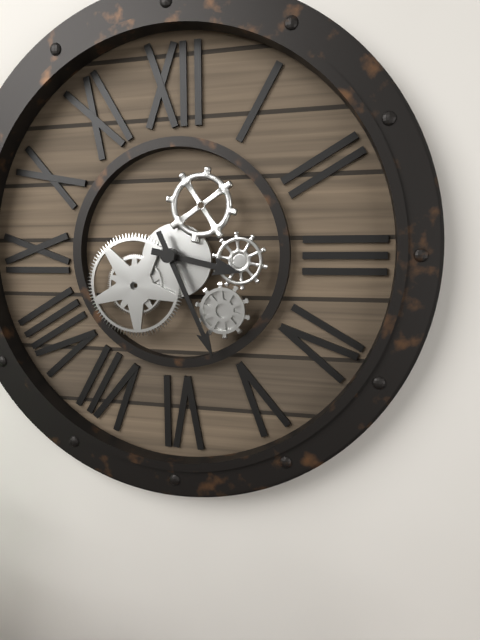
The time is 3:26
